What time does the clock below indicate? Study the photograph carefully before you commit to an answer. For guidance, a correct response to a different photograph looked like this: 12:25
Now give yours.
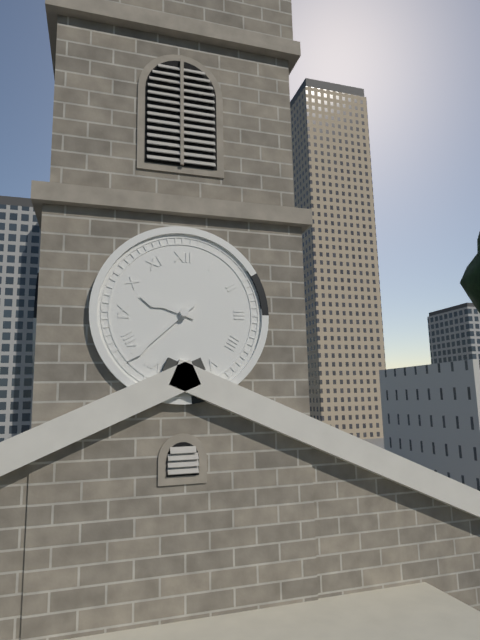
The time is 9:38
